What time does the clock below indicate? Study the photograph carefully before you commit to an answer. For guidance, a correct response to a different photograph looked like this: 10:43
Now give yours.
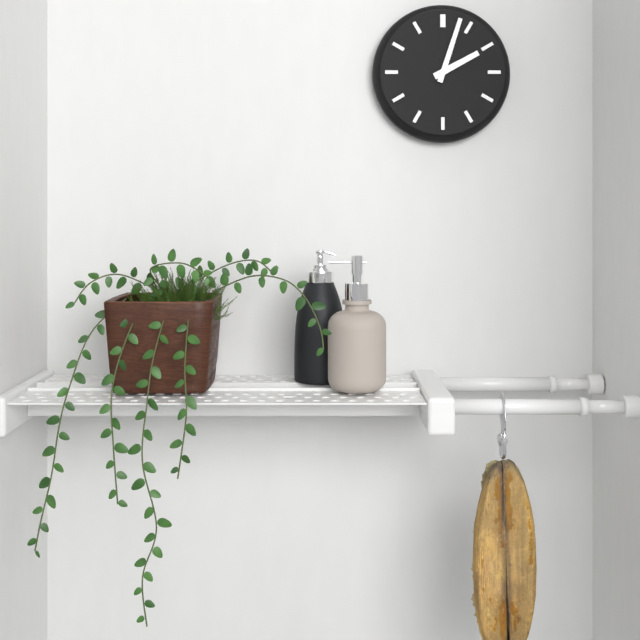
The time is 2:03
